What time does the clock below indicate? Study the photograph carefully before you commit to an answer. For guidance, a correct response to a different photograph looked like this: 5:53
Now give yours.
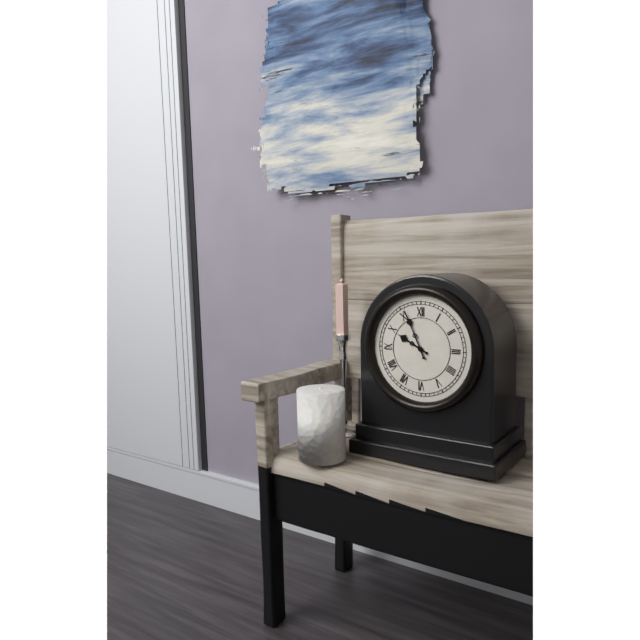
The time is 9:56
